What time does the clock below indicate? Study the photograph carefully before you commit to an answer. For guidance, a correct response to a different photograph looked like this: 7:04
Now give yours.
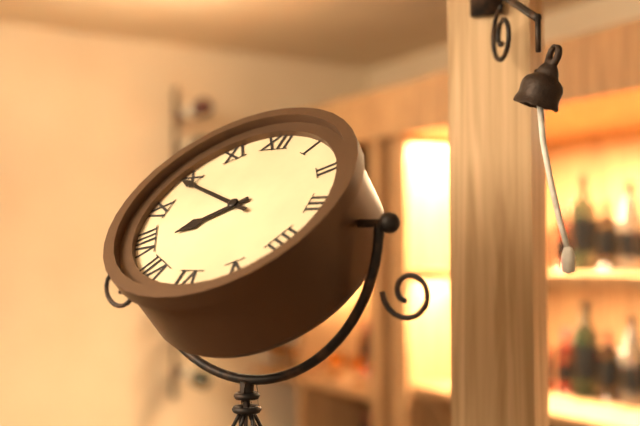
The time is 7:49
